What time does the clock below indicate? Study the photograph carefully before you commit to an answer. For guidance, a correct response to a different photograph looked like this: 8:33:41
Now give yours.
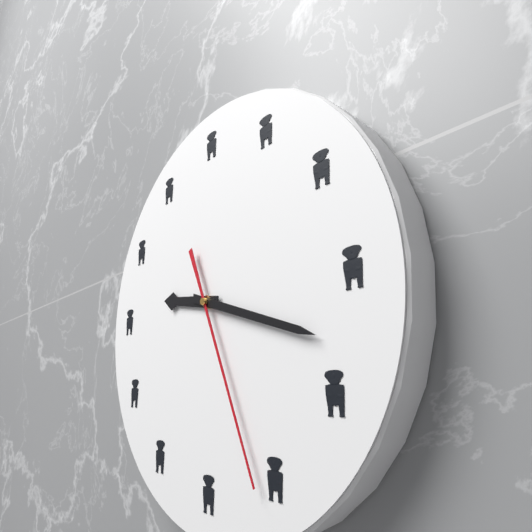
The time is 9:18:26
